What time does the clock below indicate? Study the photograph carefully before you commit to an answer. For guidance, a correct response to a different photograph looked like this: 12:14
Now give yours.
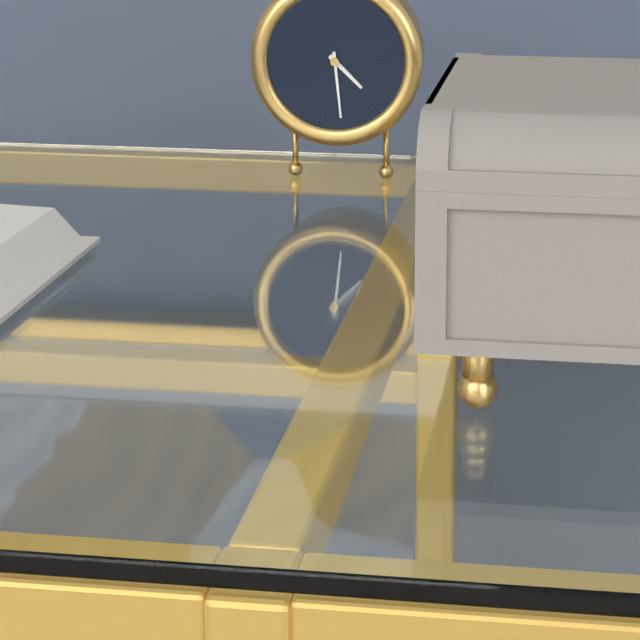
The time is 4:29
